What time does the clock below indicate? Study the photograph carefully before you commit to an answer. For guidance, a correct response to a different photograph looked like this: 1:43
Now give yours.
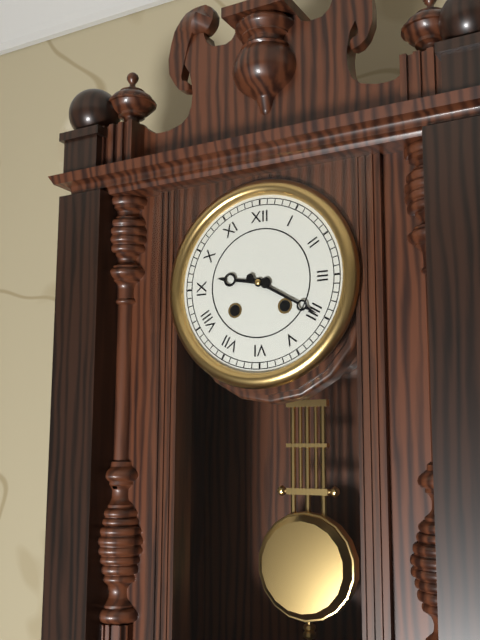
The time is 9:20
